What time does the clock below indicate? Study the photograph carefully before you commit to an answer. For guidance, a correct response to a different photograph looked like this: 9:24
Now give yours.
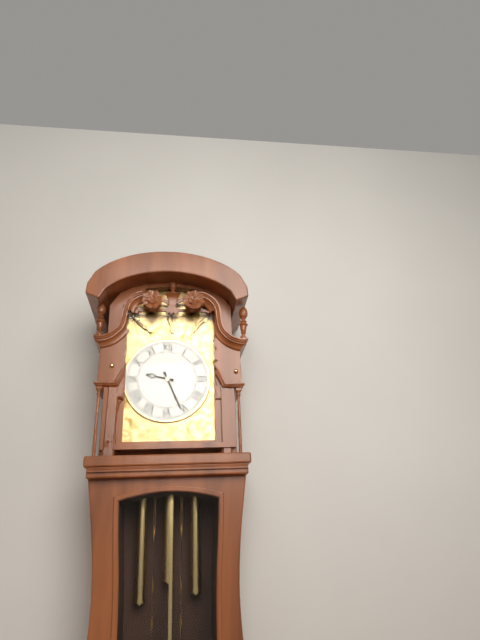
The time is 9:26
